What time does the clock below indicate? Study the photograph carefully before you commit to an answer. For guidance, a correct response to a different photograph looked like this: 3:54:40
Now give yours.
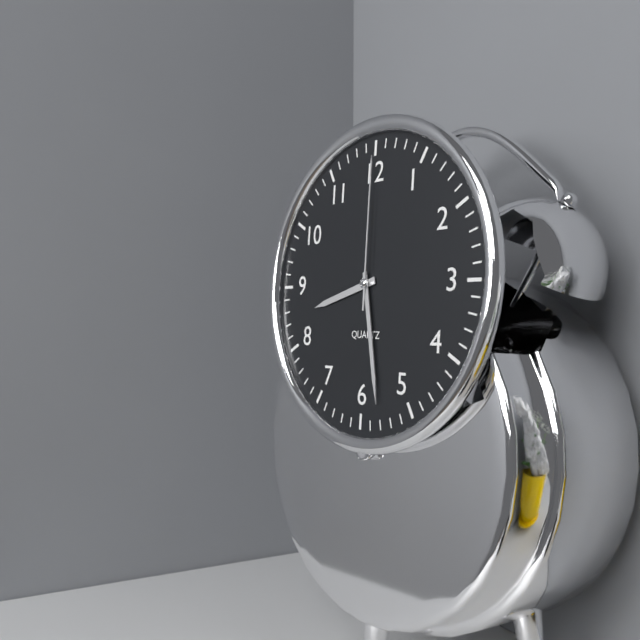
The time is 8:28:00
